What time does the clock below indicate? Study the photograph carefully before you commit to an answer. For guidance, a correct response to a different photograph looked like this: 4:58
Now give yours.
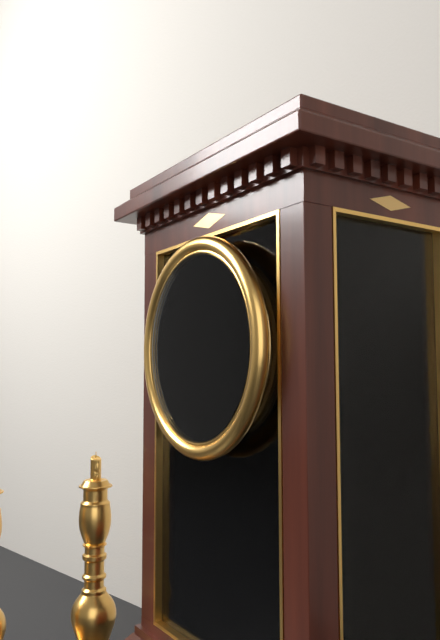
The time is 7:33
